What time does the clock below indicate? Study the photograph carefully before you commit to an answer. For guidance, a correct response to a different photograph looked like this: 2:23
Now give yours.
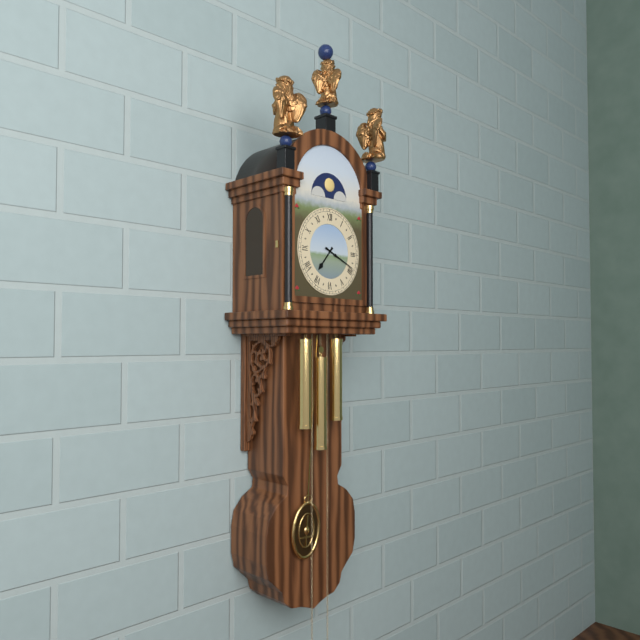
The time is 7:19
